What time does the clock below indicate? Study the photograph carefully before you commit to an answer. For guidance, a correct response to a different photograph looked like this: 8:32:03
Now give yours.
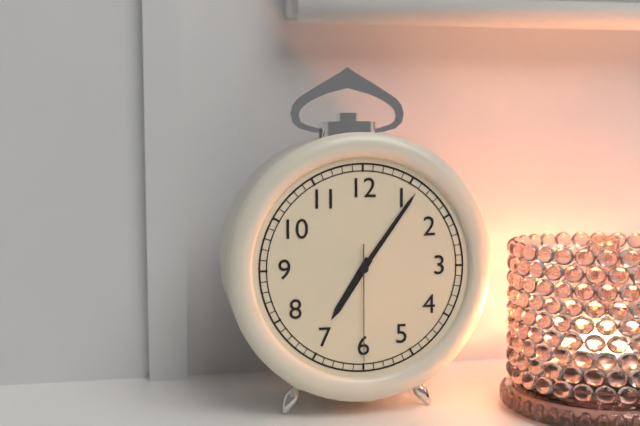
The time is 7:06:30
